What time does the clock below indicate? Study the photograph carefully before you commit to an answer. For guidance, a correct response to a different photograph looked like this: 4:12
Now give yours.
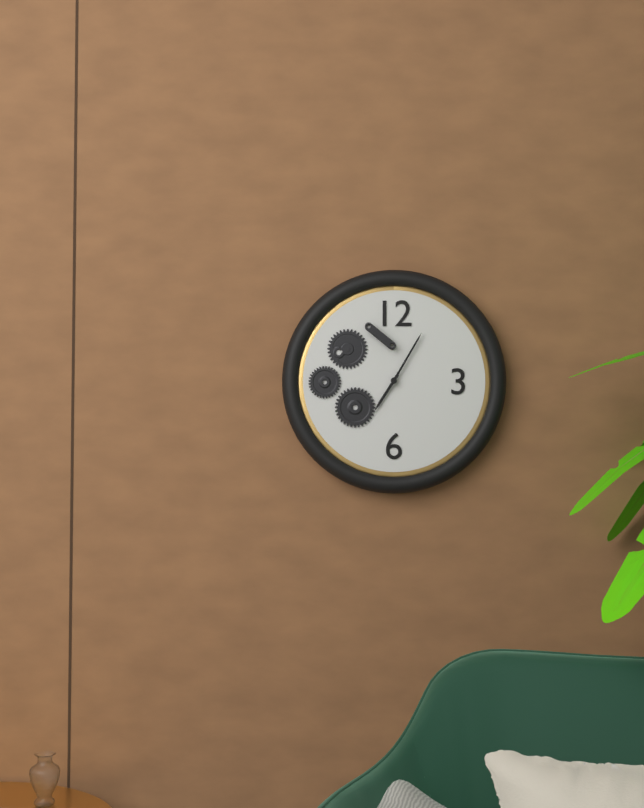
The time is 7:05
